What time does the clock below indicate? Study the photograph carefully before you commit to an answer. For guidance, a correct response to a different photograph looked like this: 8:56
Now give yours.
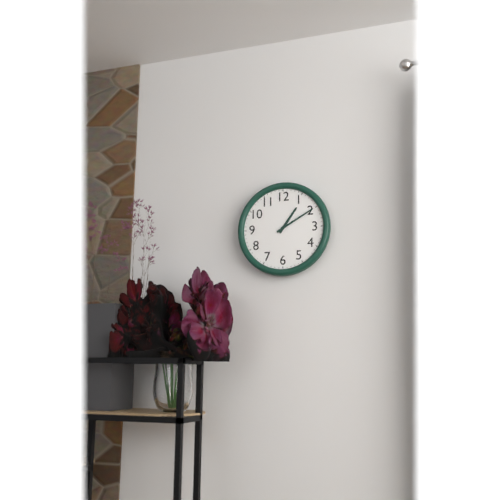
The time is 1:10
